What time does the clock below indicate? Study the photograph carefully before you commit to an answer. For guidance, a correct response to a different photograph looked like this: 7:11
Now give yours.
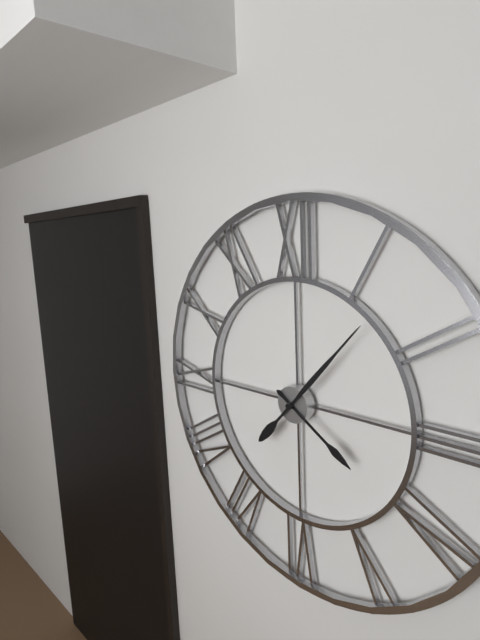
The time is 4:07
